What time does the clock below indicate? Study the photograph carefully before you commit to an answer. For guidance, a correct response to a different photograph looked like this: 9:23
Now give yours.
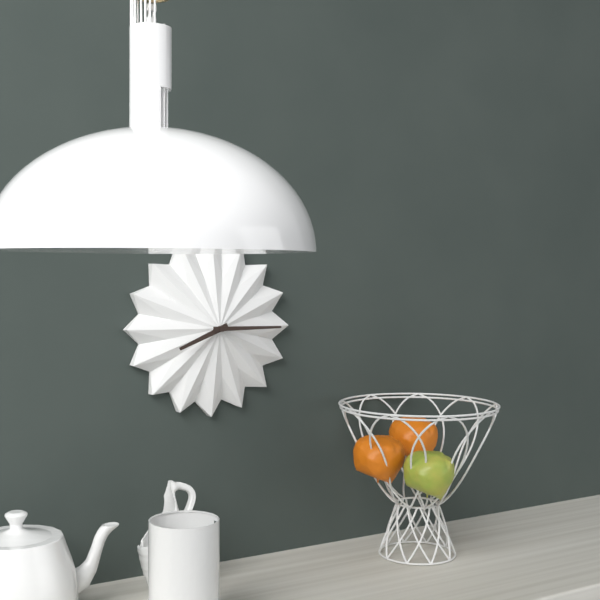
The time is 8:15
